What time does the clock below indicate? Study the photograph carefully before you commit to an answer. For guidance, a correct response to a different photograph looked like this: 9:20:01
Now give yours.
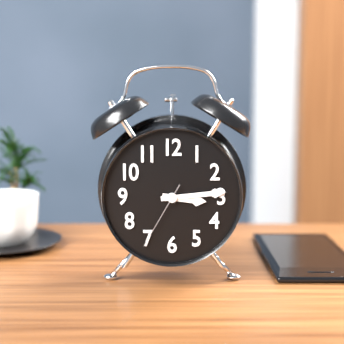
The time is 3:14:35
